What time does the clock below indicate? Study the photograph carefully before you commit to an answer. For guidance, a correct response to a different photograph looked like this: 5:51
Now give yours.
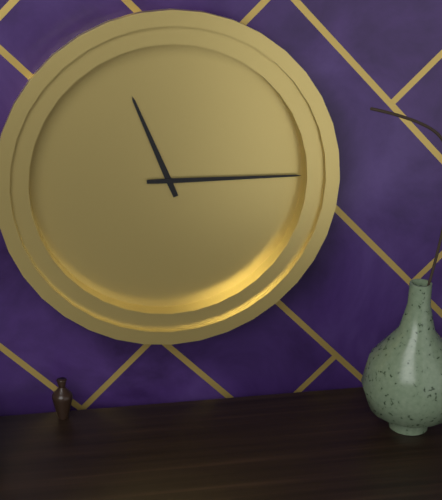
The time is 11:15
